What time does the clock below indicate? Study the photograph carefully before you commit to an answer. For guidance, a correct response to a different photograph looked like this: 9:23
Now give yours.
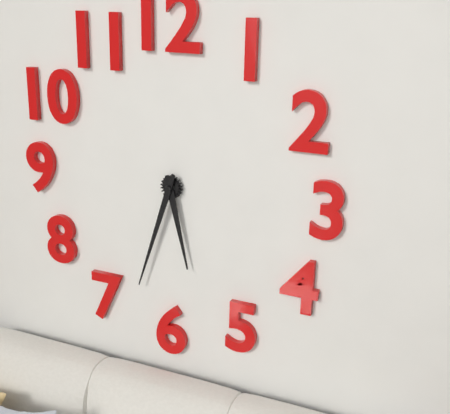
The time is 5:33
